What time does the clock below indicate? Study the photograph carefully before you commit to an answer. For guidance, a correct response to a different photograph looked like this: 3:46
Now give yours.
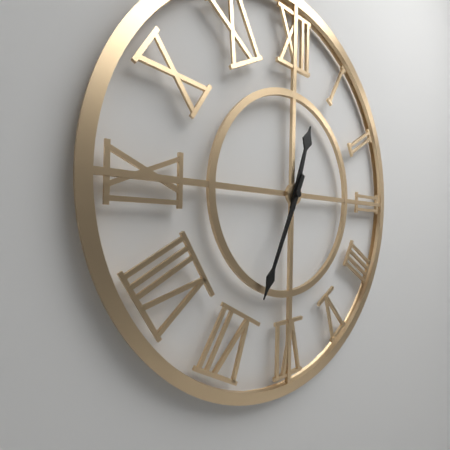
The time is 12:34
